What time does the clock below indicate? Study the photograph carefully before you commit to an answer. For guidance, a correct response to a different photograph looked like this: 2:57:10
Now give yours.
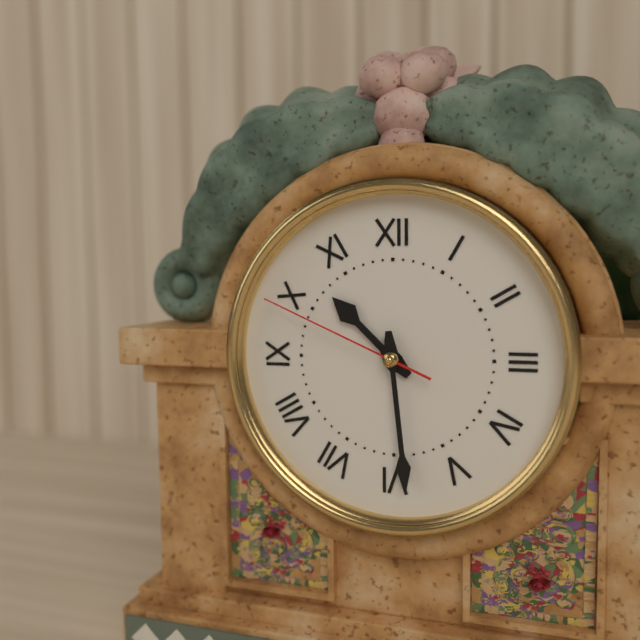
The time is 10:29:49
